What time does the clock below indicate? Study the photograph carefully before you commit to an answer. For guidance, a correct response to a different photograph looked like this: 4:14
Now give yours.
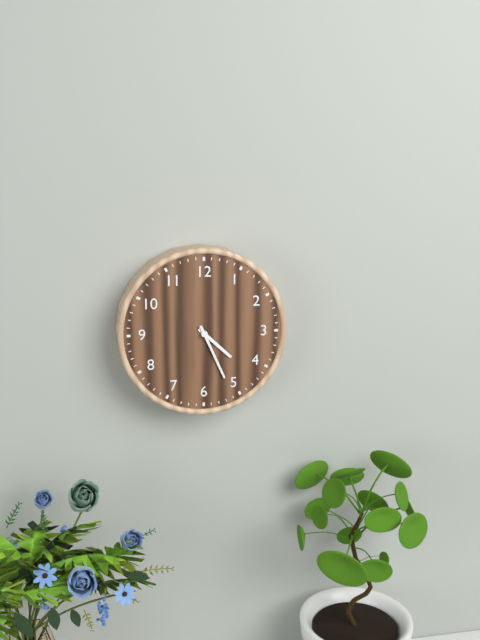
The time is 4:26
